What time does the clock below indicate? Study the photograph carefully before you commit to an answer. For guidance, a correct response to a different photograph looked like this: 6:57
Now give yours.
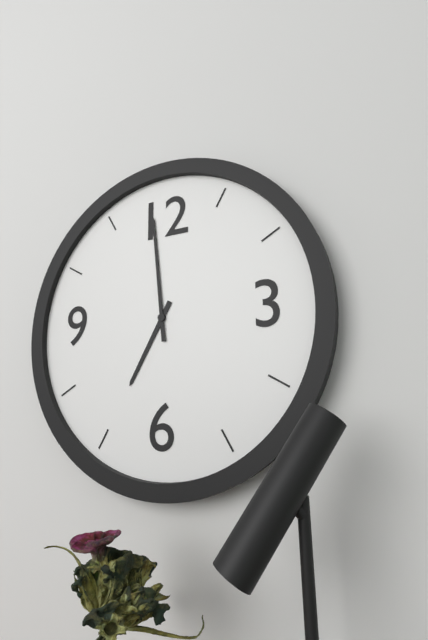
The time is 6:59
